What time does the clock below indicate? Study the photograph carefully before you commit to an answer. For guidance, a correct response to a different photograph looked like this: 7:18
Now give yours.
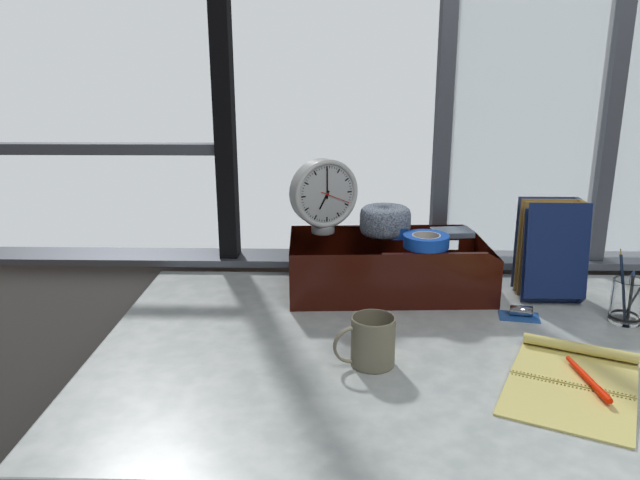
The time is 7:00
